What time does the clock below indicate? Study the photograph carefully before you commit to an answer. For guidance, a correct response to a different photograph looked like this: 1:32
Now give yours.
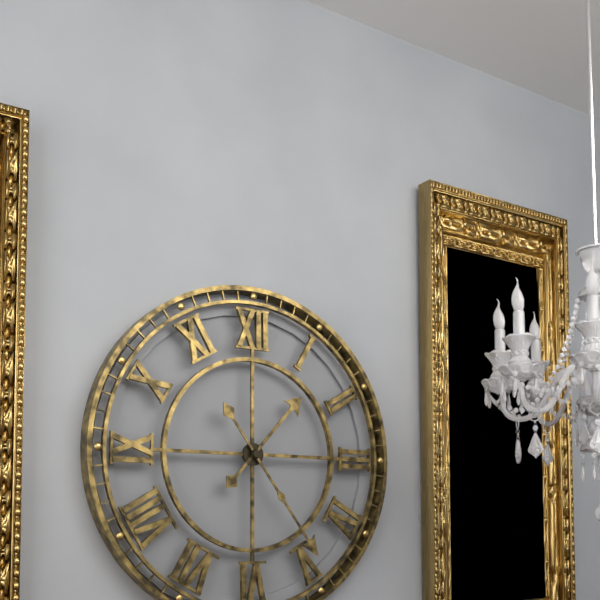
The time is 1:24
